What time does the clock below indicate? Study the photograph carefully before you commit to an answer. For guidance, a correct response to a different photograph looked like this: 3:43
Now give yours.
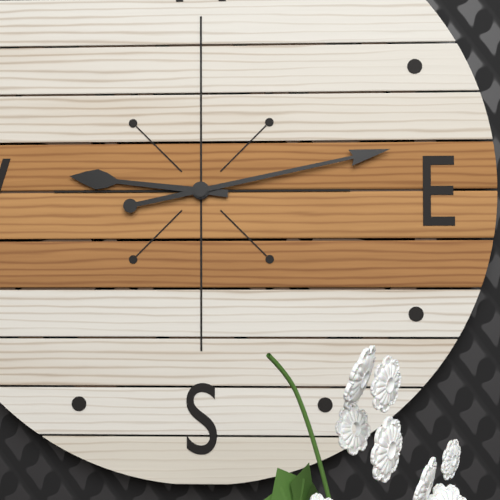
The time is 9:13
